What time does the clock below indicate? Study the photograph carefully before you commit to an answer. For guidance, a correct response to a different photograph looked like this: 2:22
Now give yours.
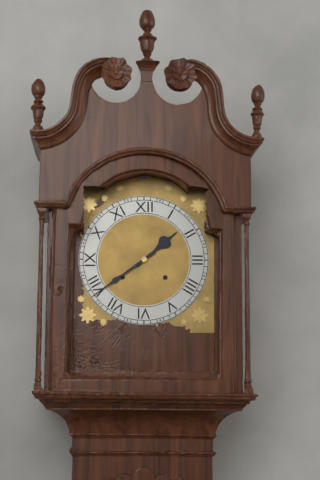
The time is 1:39
